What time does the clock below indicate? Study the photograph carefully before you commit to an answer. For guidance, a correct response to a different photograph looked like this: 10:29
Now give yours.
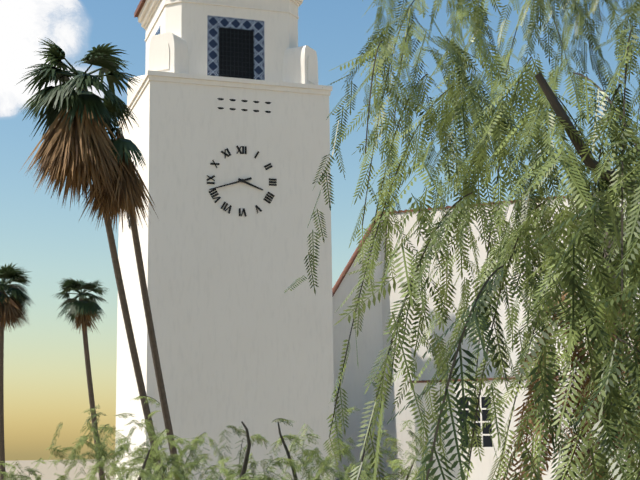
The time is 3:42
